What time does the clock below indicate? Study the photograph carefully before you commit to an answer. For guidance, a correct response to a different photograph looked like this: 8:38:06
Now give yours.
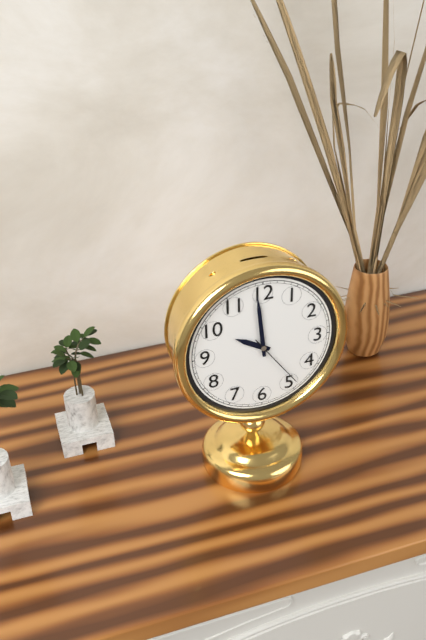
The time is 9:59:24
